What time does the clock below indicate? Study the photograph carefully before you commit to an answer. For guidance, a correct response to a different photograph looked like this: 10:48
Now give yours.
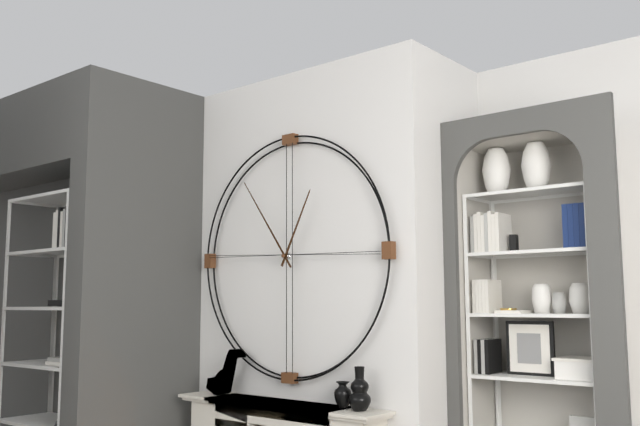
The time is 12:54
